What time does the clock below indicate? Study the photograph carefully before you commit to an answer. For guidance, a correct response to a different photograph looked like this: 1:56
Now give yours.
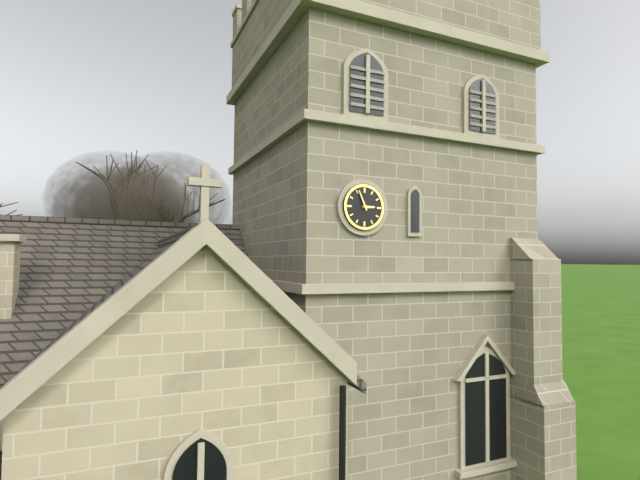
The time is 2:56
